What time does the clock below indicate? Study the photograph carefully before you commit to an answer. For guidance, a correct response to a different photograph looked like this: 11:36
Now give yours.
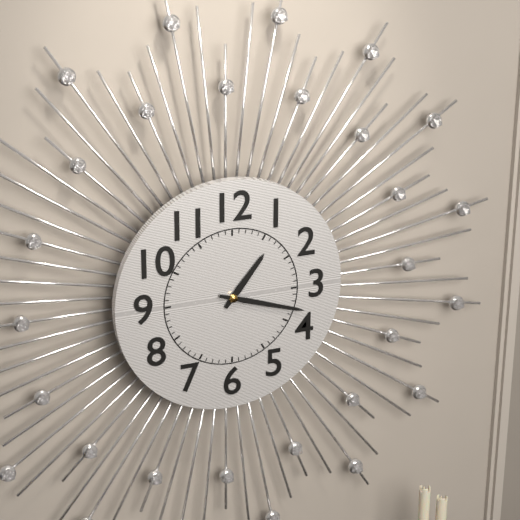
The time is 1:18
